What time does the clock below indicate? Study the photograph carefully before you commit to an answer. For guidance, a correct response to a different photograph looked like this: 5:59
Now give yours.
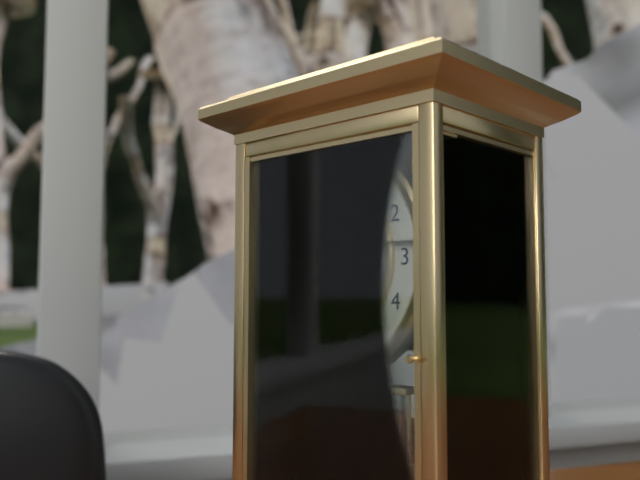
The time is 8:24
